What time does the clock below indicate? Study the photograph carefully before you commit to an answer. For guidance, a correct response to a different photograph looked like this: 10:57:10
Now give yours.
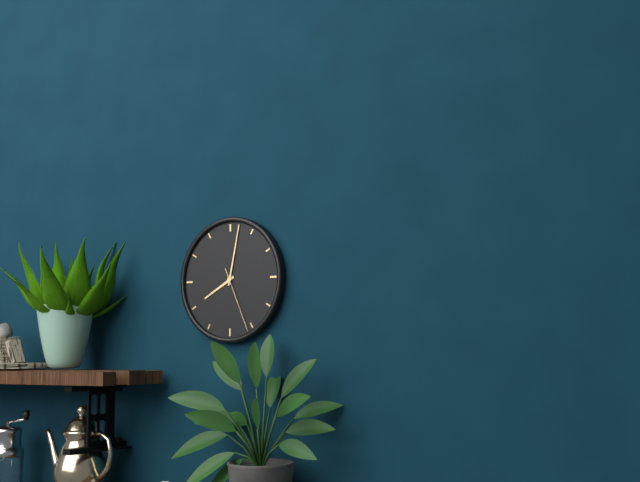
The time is 8:02:26
